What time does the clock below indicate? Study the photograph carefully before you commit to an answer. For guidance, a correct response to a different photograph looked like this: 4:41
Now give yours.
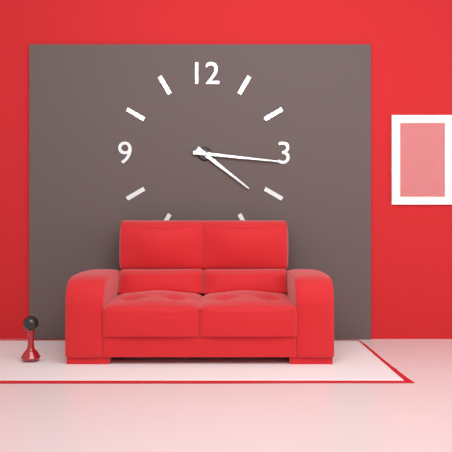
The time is 4:16
